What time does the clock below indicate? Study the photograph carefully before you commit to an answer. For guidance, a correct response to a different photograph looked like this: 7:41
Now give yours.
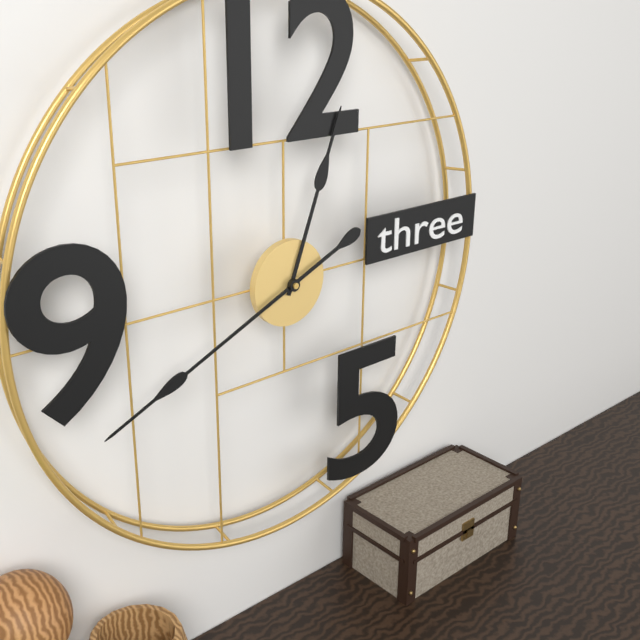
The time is 12:41
